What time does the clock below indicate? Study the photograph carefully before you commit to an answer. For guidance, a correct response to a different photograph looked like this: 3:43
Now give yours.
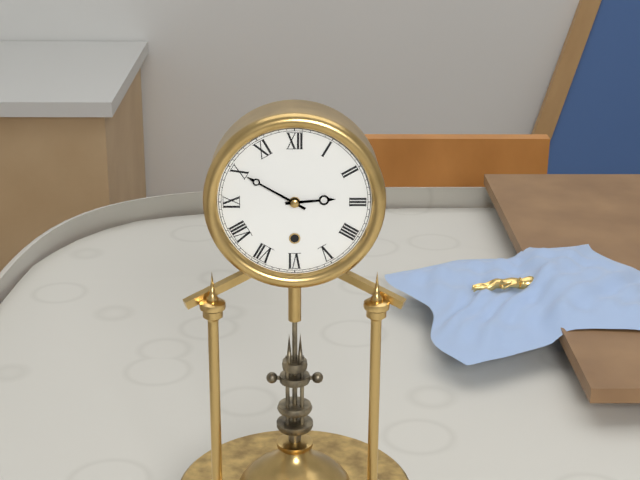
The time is 2:50
